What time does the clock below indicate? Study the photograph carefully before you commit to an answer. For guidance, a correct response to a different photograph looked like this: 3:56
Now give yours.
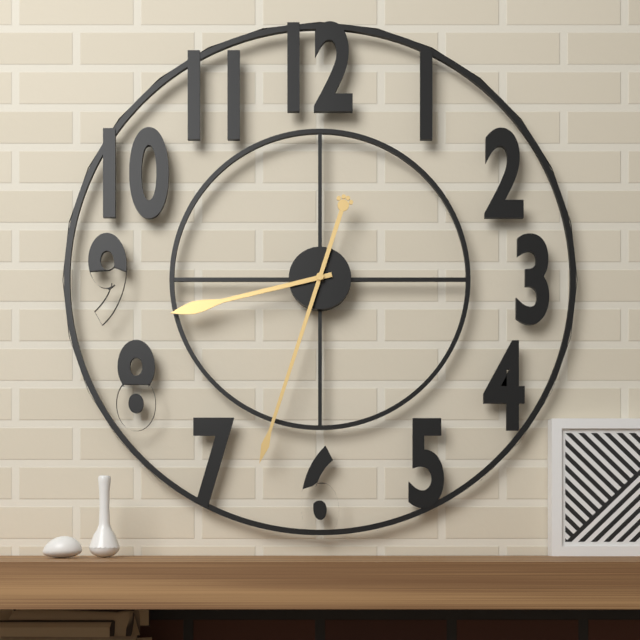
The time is 8:33
